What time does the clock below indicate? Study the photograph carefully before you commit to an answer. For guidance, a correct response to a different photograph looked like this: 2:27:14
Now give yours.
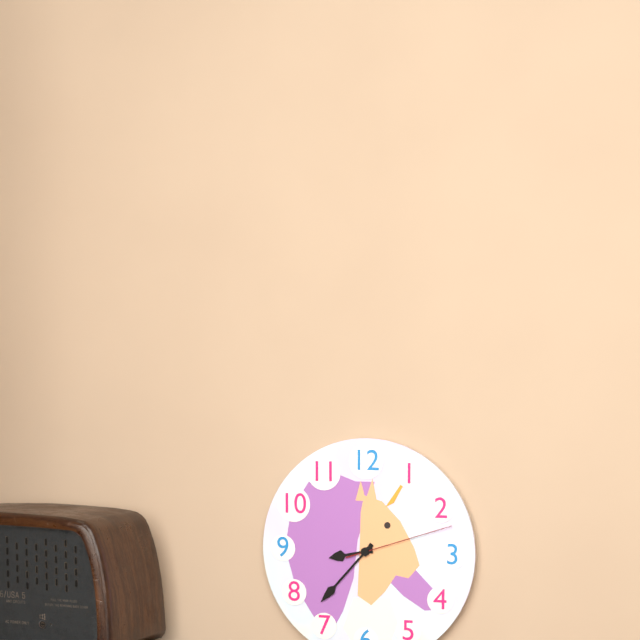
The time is 8:37:12
